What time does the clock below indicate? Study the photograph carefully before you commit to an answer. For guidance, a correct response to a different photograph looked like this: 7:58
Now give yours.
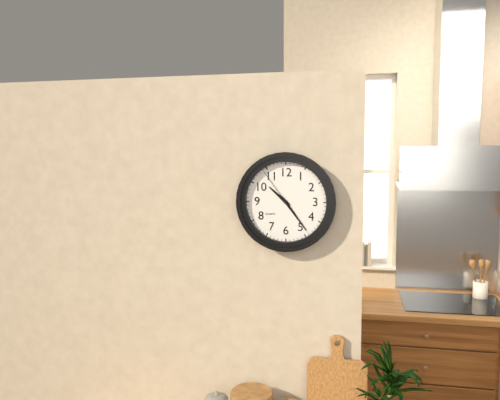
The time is 10:24
